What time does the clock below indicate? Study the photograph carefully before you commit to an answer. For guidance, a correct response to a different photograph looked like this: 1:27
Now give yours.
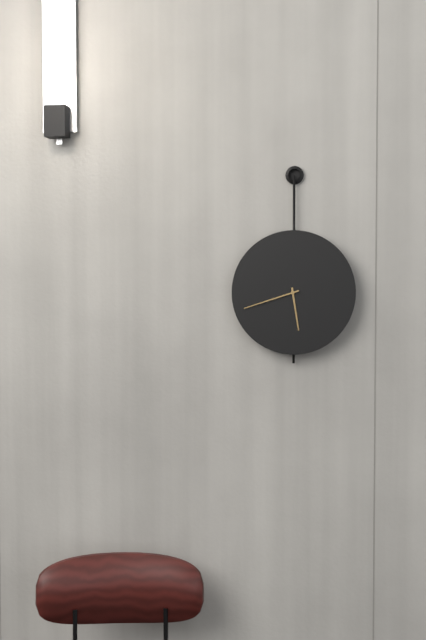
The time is 5:42
